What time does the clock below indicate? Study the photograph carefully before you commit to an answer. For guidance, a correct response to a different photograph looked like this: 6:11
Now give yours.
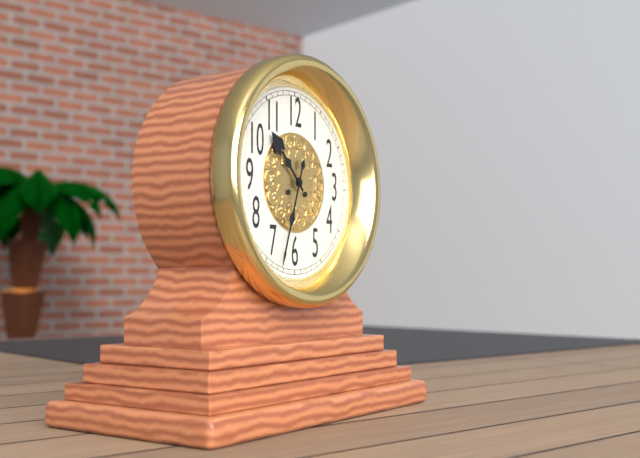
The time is 10:33
